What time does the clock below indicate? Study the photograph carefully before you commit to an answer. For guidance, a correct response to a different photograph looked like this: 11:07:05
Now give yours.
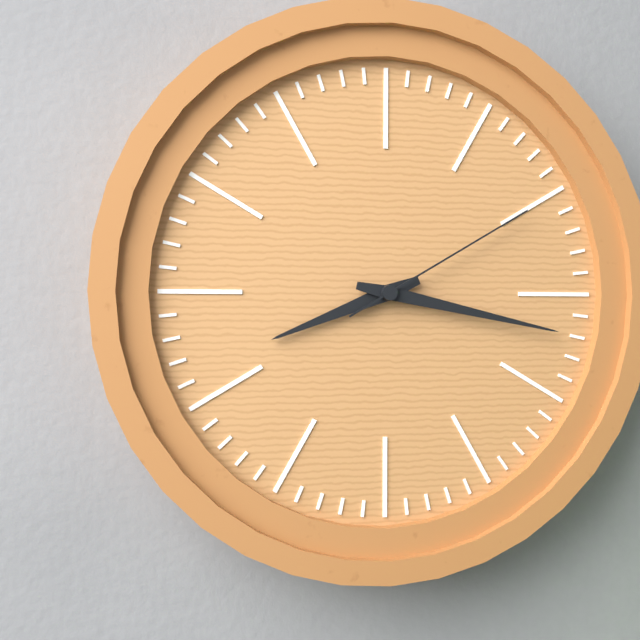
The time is 8:17:10
